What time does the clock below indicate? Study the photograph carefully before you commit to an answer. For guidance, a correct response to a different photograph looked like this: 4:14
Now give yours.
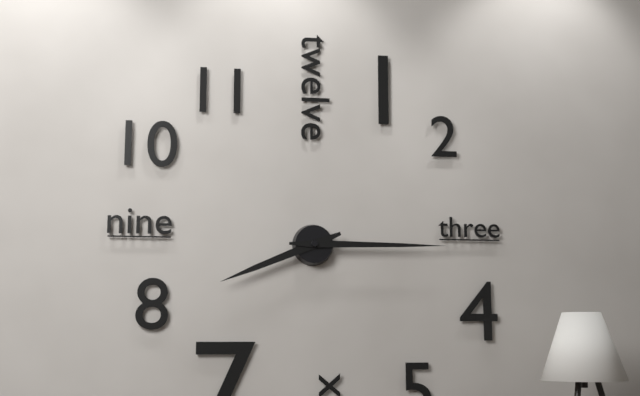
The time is 8:15
